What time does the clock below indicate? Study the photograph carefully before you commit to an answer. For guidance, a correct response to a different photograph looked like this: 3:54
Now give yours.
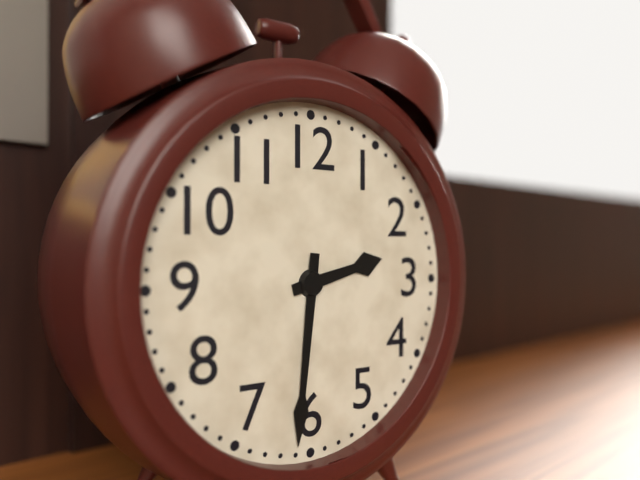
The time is 2:31
